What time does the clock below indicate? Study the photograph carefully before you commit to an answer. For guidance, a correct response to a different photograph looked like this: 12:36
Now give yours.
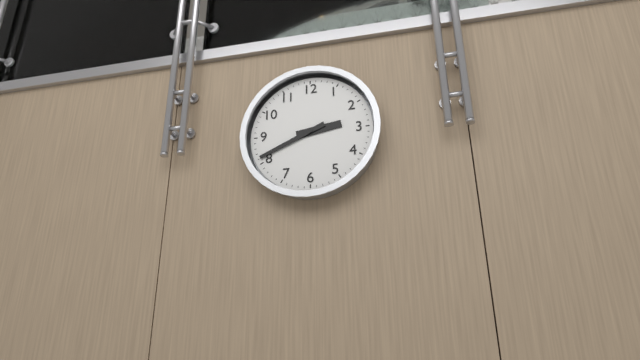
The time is 2:41
